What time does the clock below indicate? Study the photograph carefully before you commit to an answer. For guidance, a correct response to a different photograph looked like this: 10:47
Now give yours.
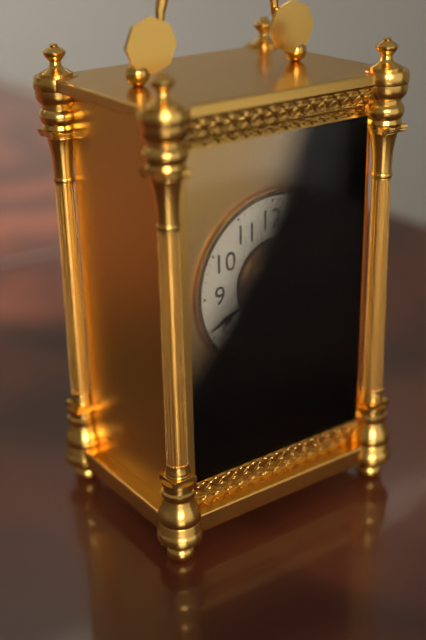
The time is 12:41
